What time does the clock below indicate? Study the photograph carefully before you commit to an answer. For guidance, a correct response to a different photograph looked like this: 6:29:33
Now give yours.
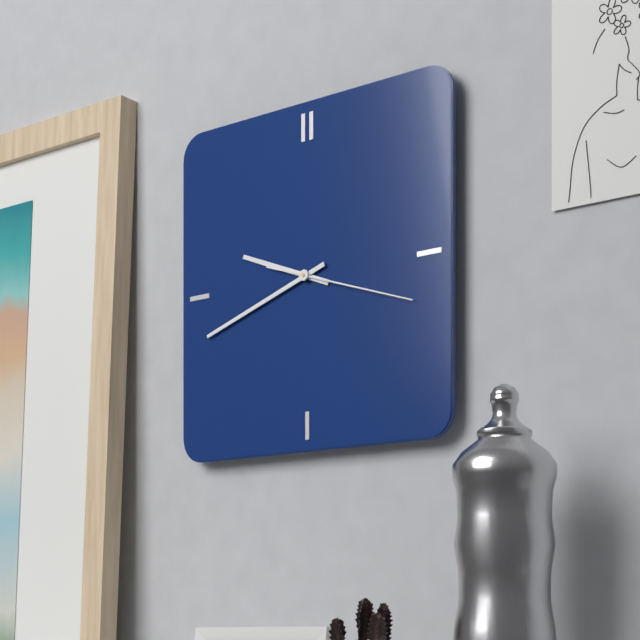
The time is 9:42:18
